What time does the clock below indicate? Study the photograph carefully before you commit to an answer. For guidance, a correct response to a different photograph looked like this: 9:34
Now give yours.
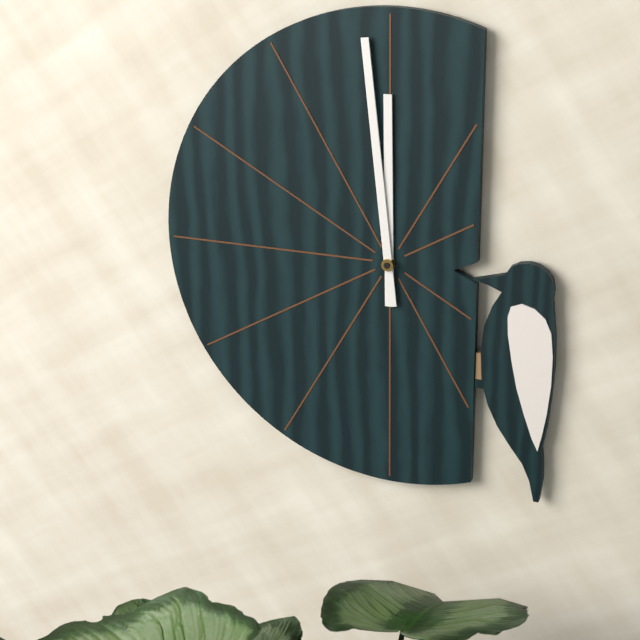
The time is 11:59
